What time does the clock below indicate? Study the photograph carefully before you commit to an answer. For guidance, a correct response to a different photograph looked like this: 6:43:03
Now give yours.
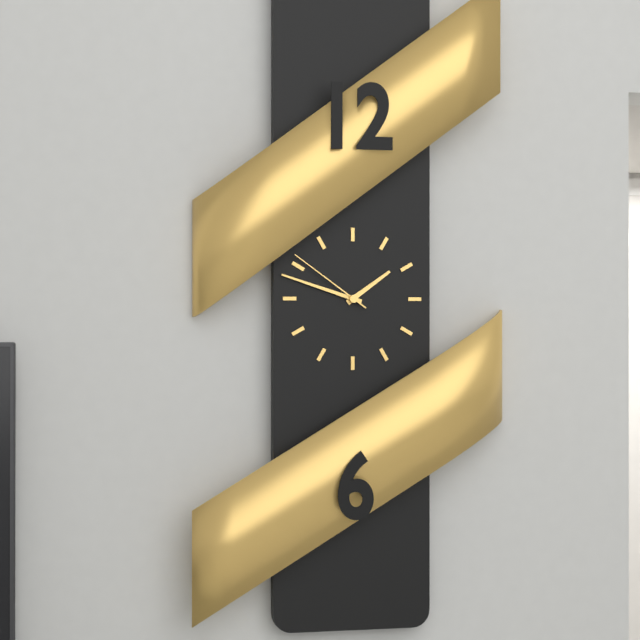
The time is 1:48:51
